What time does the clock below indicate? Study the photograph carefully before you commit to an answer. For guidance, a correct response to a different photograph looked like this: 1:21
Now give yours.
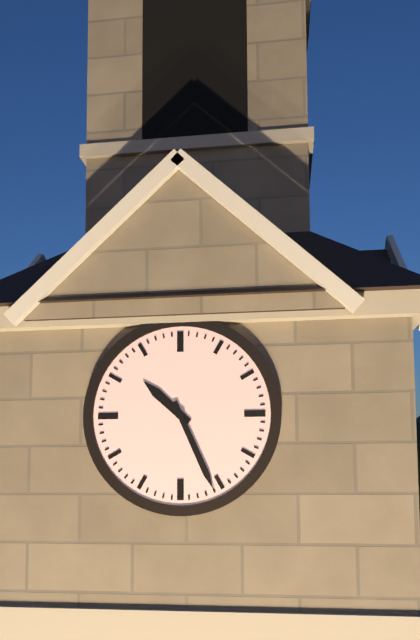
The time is 10:26
